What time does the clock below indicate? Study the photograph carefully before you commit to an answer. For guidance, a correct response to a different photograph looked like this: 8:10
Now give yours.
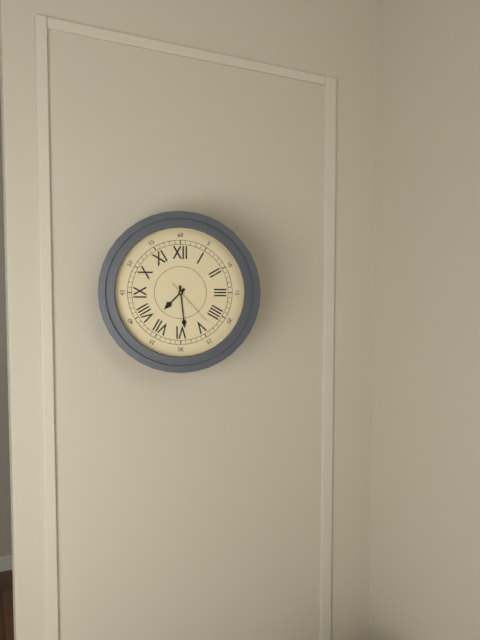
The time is 7:29
